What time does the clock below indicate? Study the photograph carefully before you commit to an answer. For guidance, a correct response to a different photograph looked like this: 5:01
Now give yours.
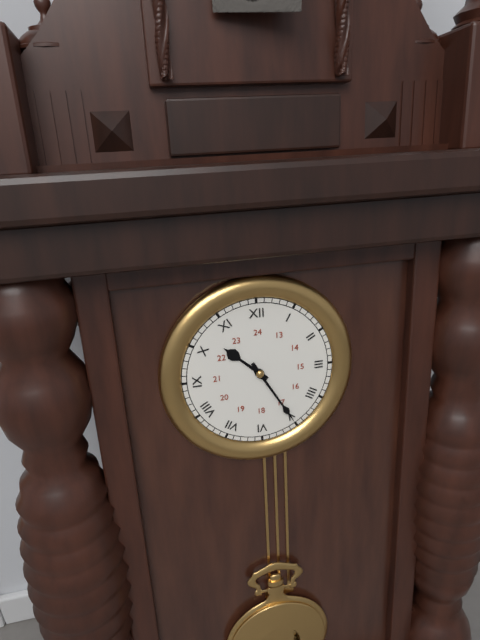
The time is 10:25
